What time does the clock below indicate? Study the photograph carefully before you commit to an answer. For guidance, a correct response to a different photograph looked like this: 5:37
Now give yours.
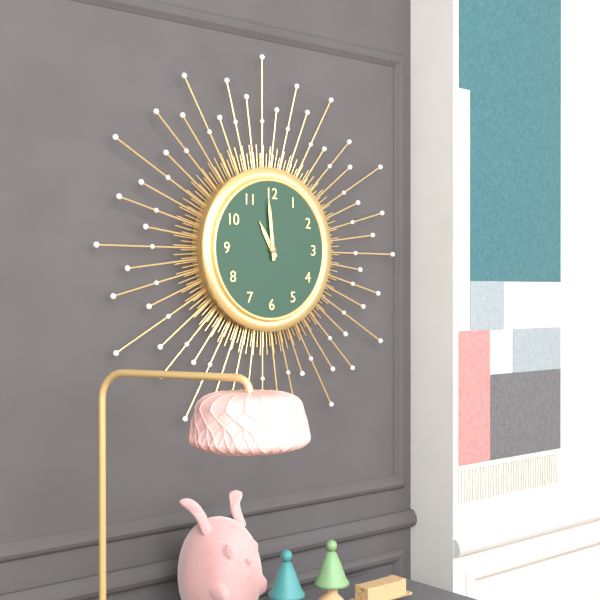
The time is 10:59
